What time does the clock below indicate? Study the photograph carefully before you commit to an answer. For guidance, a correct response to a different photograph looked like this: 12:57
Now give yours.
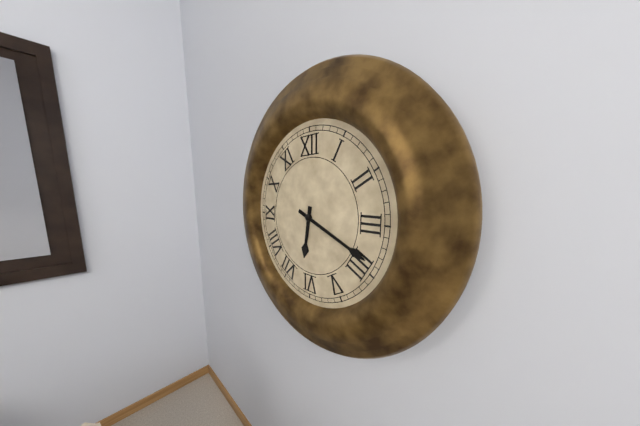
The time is 6:19
